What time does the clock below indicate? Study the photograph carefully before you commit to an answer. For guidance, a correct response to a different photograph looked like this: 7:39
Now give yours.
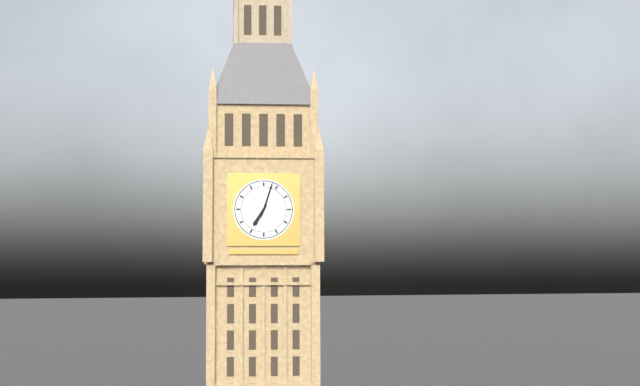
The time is 7:03
